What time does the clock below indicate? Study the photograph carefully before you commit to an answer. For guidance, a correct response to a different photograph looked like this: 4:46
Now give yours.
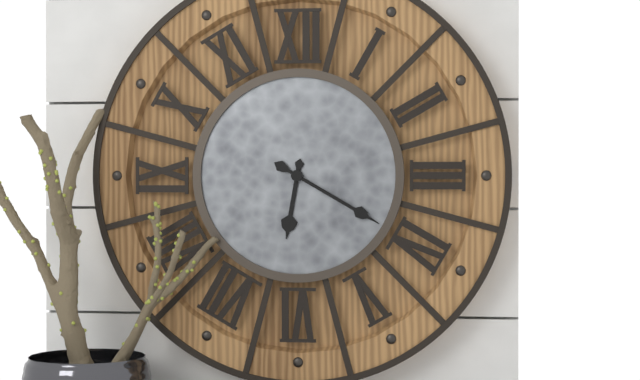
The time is 6:20
